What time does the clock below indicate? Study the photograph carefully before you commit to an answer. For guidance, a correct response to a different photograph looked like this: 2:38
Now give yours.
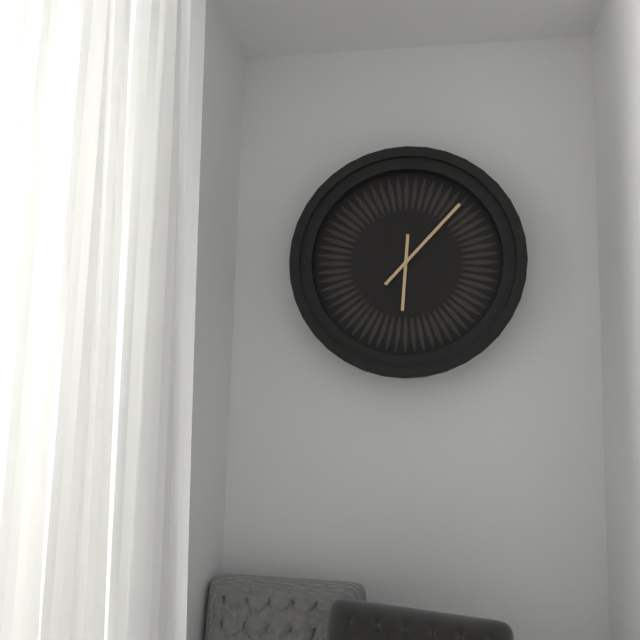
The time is 6:07
